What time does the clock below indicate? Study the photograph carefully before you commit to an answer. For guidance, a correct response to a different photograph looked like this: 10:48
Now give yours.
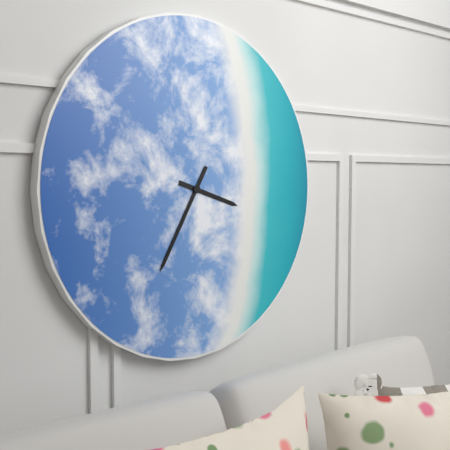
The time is 3:35
